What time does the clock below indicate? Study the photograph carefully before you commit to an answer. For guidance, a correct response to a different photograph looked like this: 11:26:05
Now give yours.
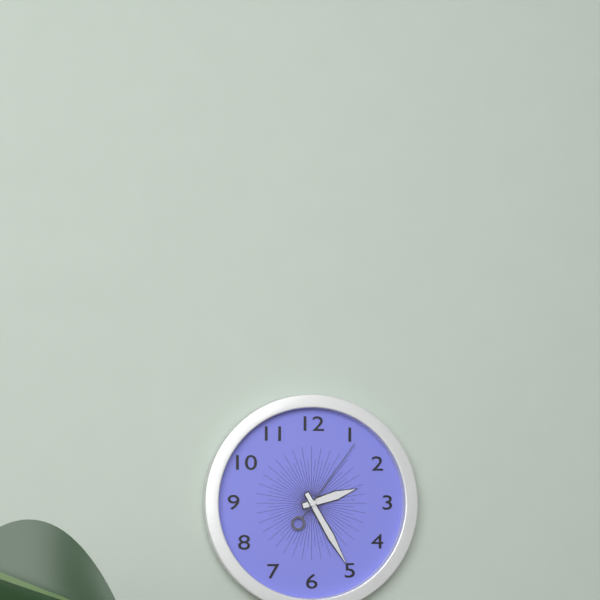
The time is 2:25:06
